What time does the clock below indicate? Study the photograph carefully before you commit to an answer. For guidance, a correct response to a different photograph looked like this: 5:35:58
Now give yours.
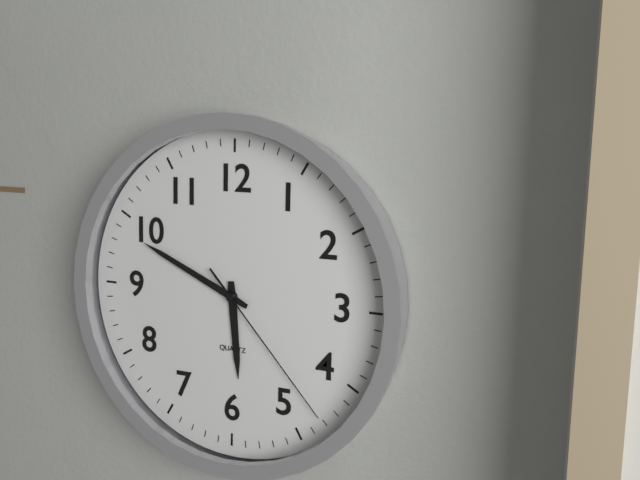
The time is 5:49:23
